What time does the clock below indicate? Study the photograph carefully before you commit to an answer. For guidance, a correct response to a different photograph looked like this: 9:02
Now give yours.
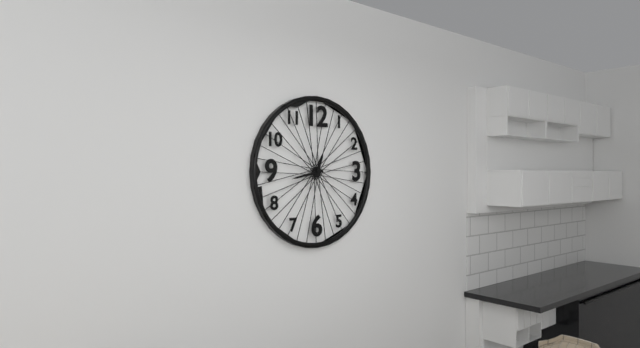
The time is 12:43
